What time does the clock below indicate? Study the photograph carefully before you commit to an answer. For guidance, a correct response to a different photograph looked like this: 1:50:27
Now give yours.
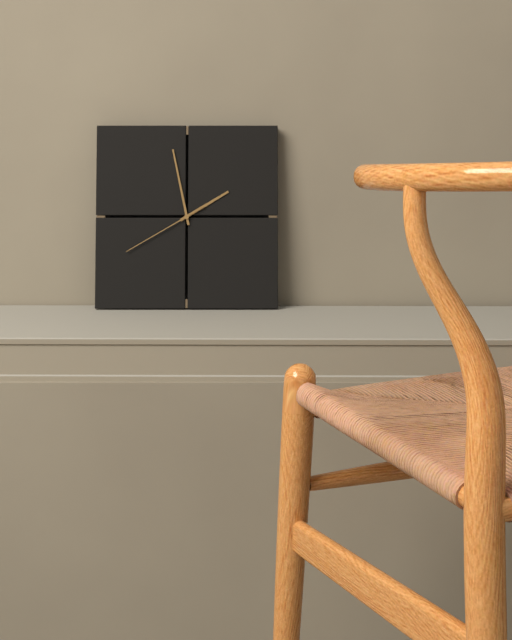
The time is 1:58:40
